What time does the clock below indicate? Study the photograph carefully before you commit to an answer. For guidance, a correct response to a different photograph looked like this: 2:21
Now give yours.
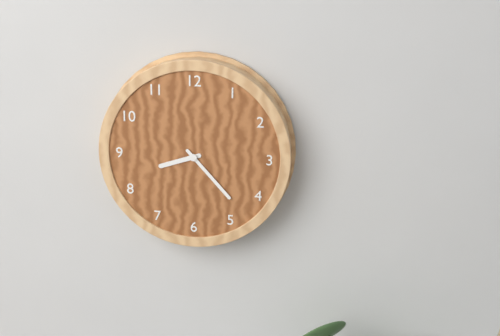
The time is 8:23
